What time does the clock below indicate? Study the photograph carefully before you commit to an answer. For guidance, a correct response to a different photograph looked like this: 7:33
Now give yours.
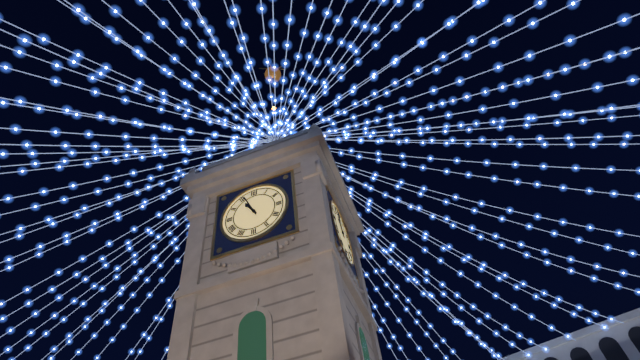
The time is 10:56
